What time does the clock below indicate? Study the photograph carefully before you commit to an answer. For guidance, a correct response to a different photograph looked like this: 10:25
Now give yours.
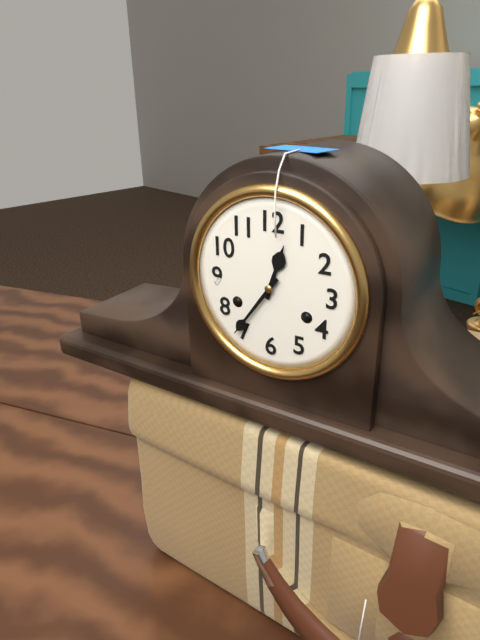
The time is 12:36
